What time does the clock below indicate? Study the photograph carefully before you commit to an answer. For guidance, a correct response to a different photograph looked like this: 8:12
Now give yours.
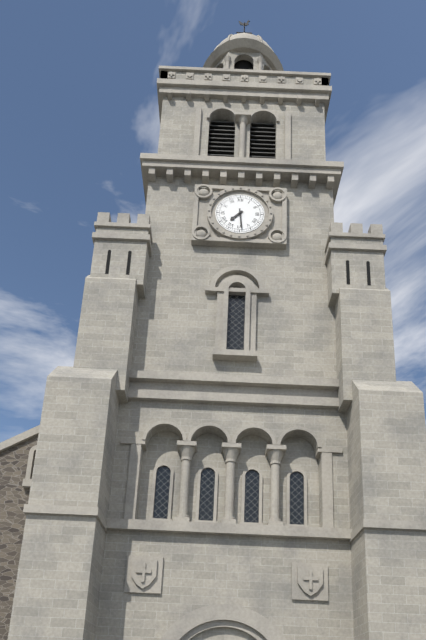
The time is 7:29
